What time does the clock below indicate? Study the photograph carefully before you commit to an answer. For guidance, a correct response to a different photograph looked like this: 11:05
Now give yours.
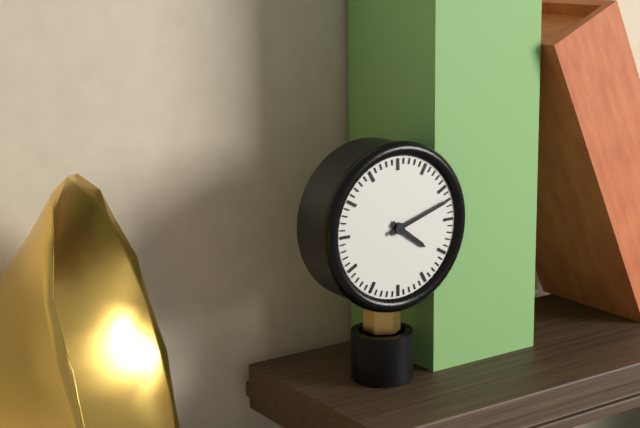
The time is 4:12
